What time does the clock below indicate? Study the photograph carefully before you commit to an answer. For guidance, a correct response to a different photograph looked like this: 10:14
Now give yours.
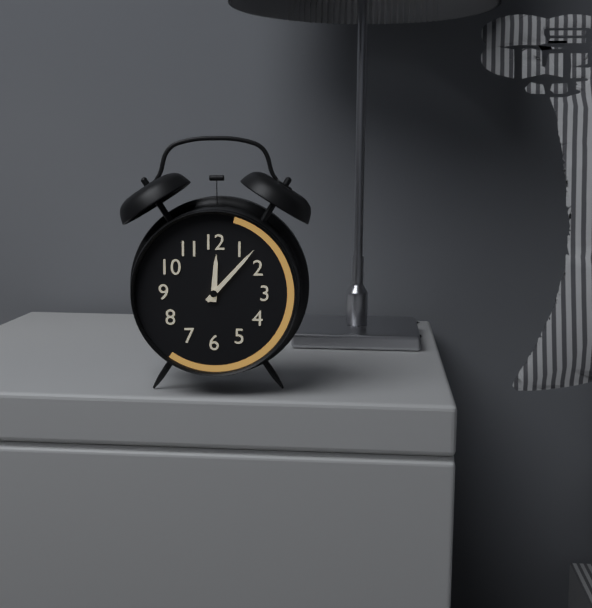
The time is 12:07
